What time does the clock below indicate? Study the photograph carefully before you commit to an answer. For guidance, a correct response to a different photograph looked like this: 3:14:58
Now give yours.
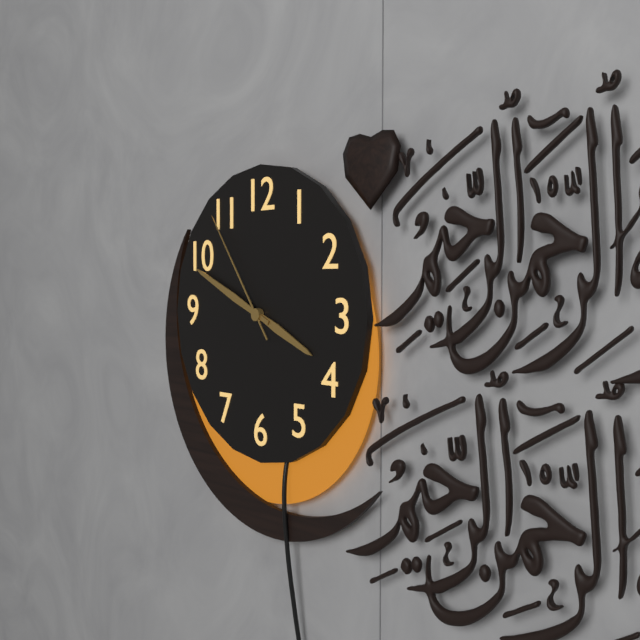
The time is 3:49:54
